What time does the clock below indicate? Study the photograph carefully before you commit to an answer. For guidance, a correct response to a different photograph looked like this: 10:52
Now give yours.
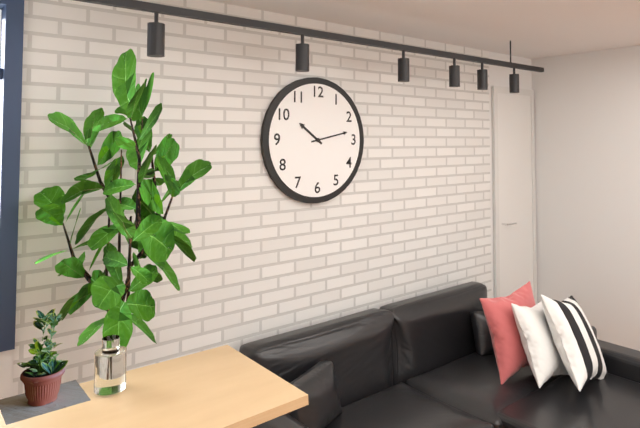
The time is 10:13
